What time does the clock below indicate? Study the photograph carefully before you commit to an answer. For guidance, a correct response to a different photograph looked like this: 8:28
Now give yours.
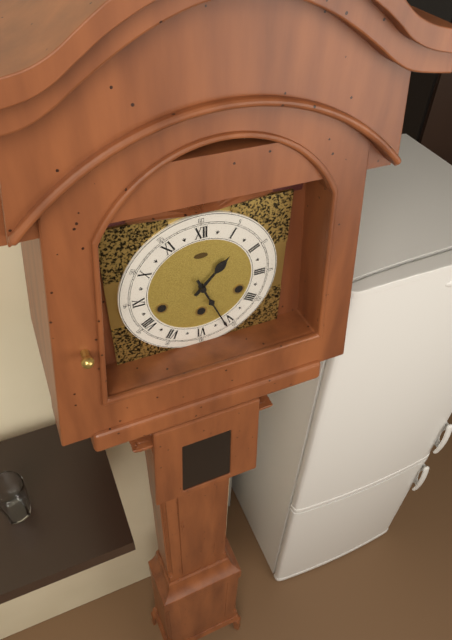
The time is 1:26
